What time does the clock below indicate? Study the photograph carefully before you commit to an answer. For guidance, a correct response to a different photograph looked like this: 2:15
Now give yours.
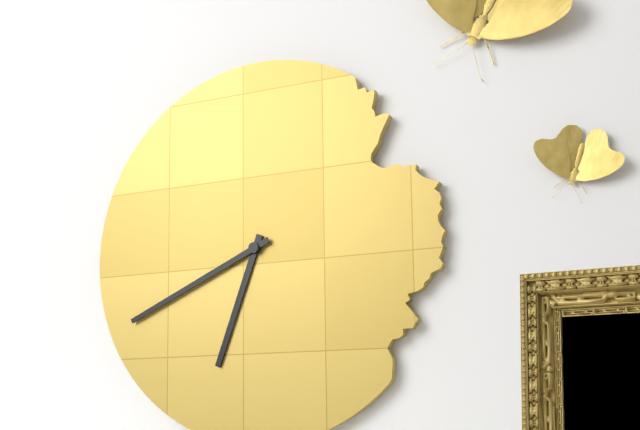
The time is 6:41
